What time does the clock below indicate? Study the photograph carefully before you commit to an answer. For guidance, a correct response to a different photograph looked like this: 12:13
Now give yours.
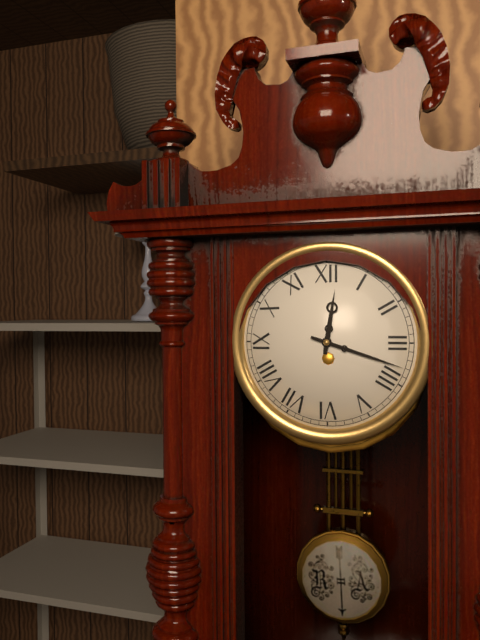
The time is 12:18
